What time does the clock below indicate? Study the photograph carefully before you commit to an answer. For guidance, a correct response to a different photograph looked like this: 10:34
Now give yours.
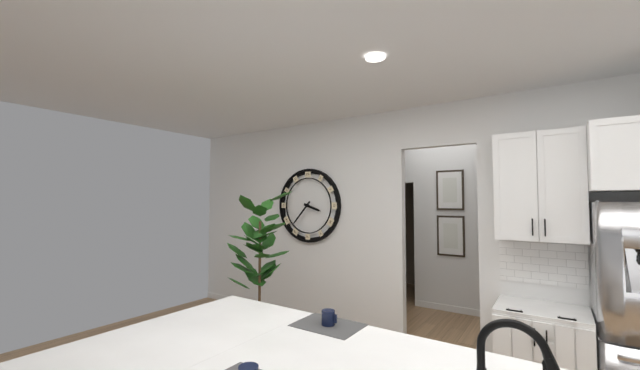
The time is 3:37
